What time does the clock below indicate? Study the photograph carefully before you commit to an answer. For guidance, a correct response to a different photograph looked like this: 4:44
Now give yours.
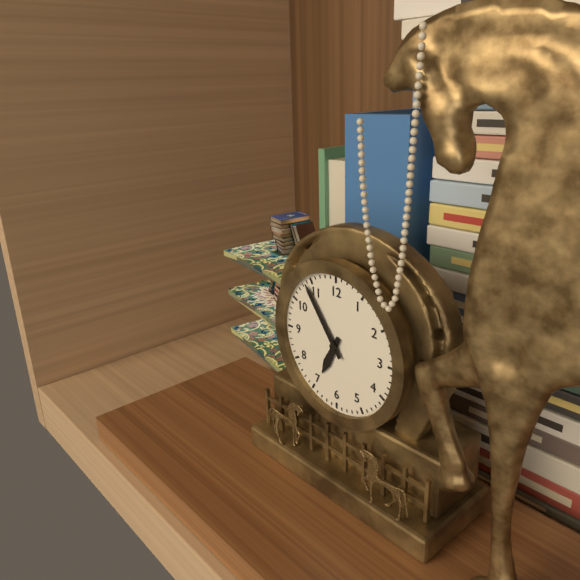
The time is 6:54
